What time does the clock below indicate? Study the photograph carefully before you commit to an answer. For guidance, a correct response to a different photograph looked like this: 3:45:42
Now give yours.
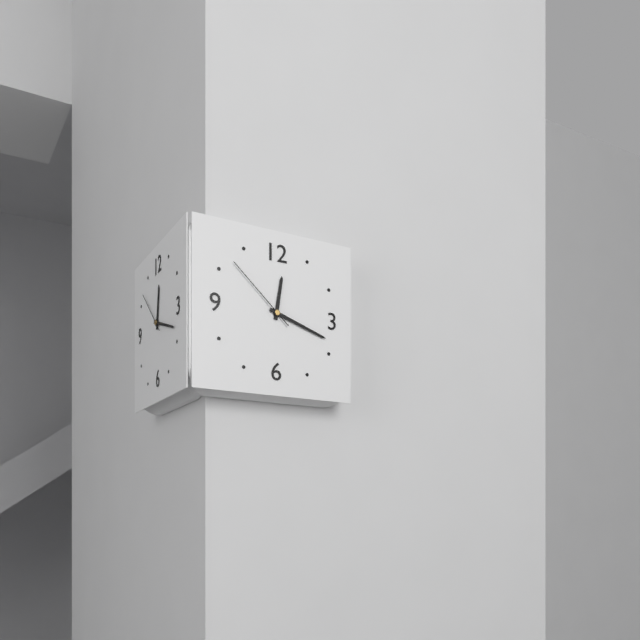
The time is 12:18:52
